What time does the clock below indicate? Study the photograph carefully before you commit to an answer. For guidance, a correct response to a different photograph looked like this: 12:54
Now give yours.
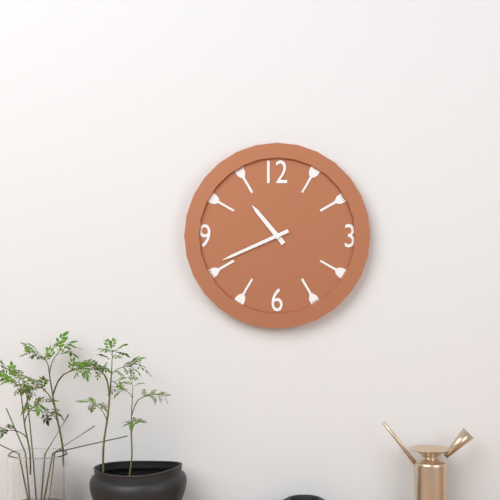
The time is 10:41
